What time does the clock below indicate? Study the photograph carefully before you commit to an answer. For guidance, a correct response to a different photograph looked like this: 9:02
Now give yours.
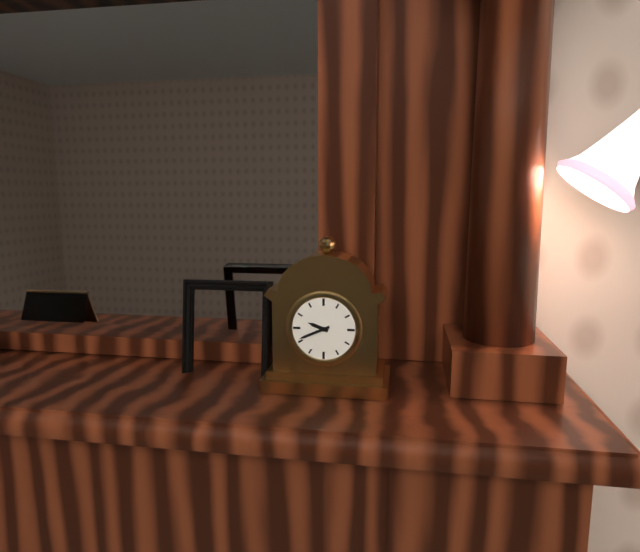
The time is 9:41
